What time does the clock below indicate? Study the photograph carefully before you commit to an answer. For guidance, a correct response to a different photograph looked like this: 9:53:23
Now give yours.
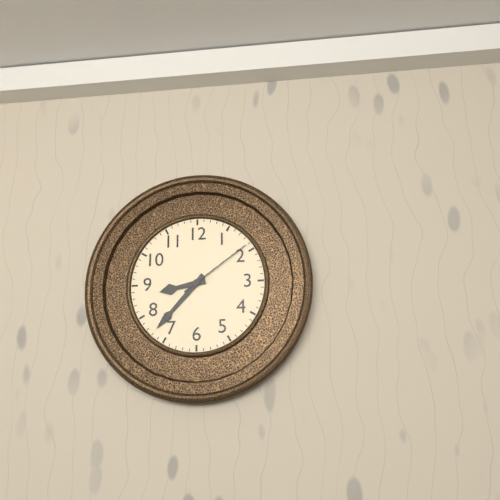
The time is 8:37:09
